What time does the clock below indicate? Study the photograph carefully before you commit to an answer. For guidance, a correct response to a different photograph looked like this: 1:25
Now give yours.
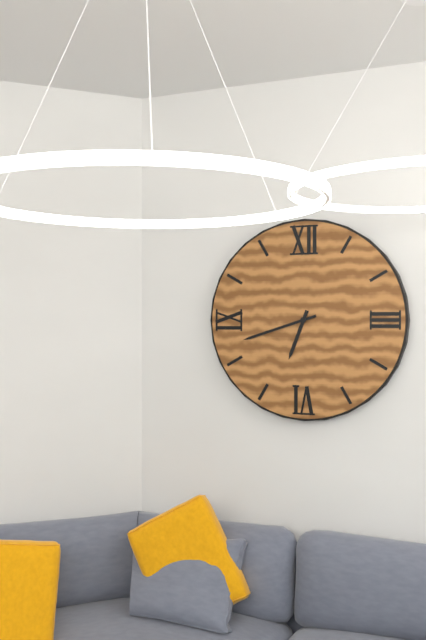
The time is 6:42
